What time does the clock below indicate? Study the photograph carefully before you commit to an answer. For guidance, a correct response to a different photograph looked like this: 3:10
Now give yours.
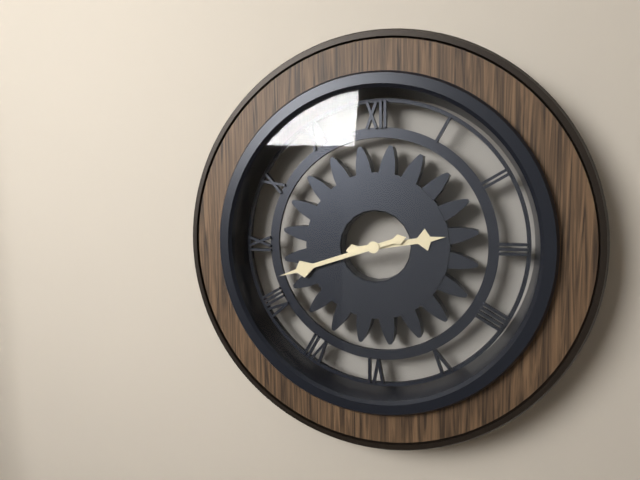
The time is 2:42
